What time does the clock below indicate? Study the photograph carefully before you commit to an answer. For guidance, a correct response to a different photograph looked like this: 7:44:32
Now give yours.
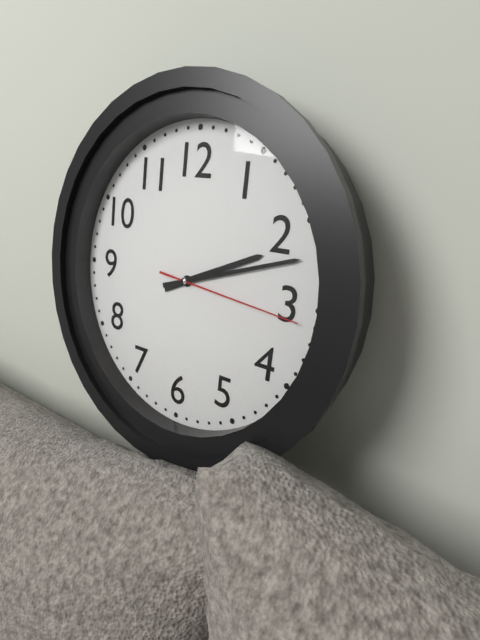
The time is 2:12:16
